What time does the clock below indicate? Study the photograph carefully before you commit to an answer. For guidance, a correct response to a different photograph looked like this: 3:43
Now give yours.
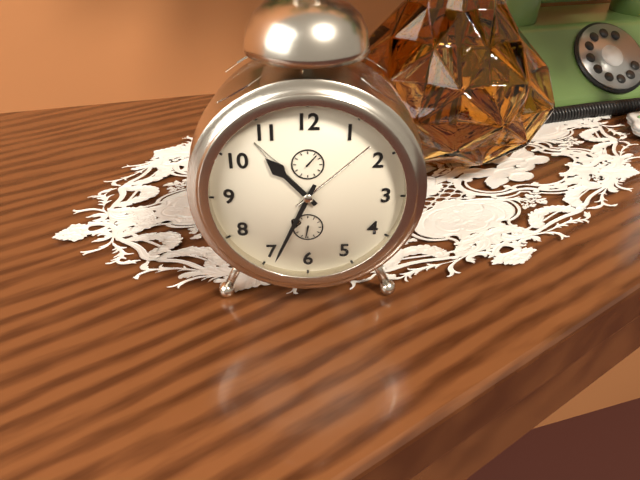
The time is 10:34
